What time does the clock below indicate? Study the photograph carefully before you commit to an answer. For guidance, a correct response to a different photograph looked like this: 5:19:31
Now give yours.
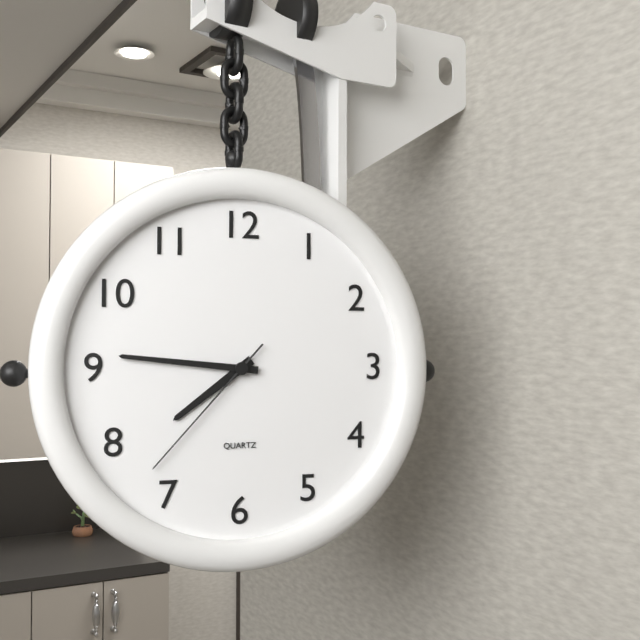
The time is 7:46:37
